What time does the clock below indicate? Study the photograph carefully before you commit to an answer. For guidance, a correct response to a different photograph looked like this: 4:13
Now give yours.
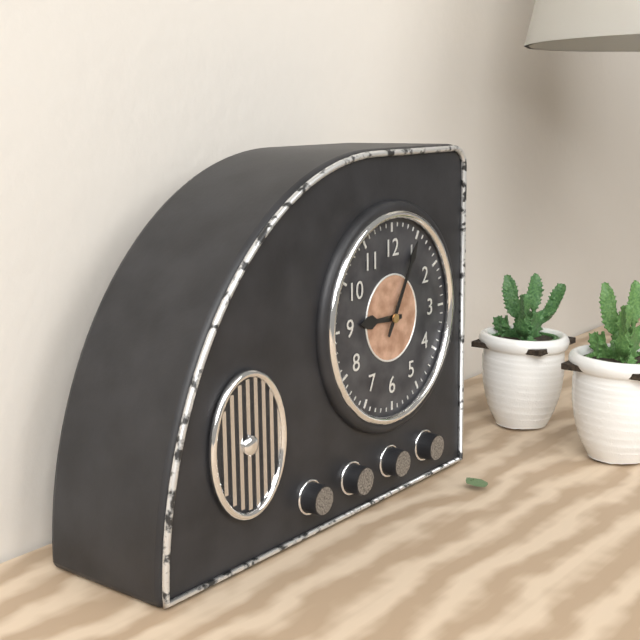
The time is 9:05
